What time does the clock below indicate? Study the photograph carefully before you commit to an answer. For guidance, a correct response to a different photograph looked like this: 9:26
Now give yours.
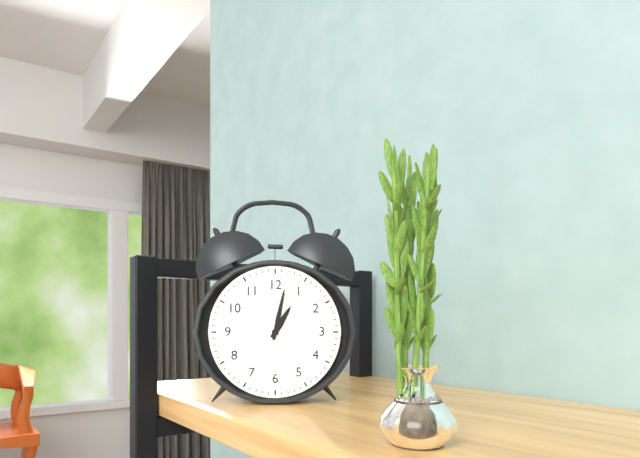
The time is 1:02
